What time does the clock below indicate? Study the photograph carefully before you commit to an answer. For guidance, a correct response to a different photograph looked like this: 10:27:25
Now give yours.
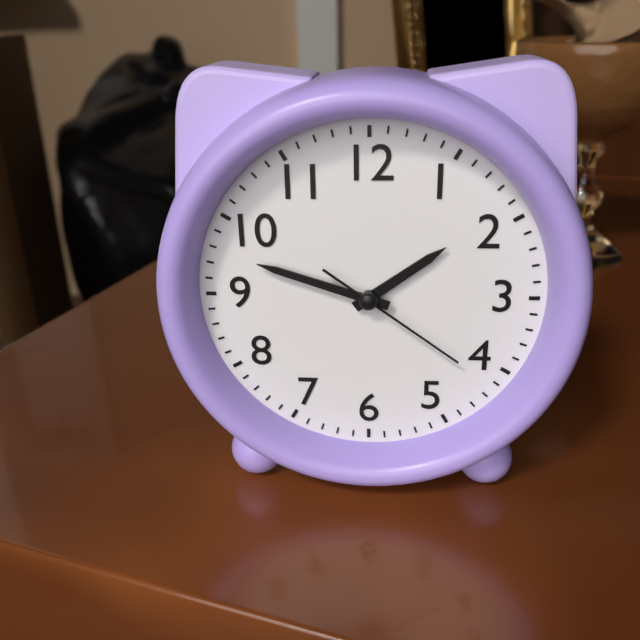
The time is 1:48:21
